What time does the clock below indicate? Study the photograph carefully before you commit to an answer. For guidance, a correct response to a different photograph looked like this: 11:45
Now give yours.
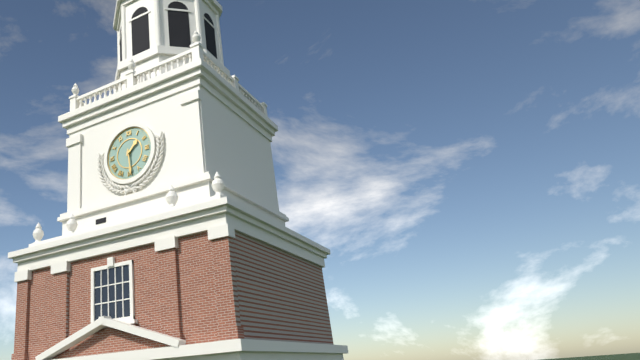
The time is 1:29
